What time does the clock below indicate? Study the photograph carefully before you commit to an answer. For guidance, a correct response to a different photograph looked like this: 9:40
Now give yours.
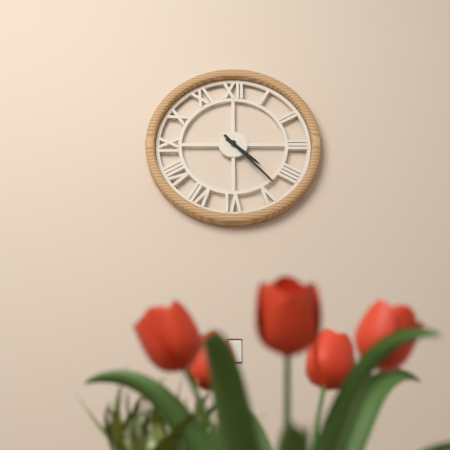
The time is 4:23
